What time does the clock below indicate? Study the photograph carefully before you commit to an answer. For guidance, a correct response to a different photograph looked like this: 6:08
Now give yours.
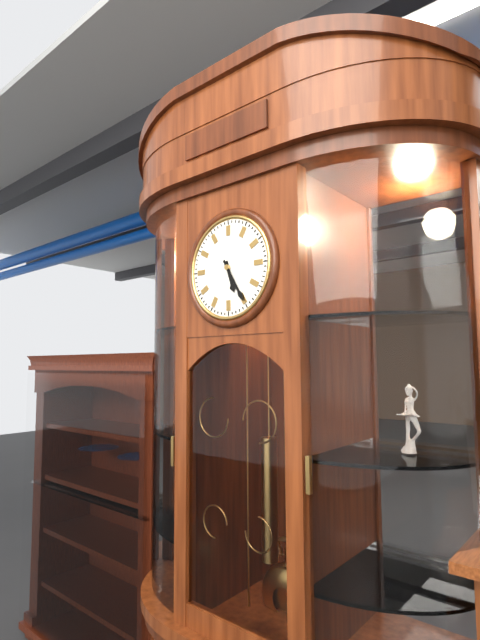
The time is 5:25
